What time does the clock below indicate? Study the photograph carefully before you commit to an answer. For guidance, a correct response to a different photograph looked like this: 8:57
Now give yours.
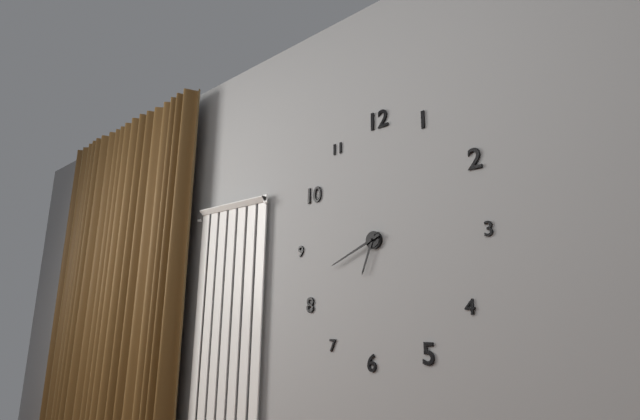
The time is 6:41
